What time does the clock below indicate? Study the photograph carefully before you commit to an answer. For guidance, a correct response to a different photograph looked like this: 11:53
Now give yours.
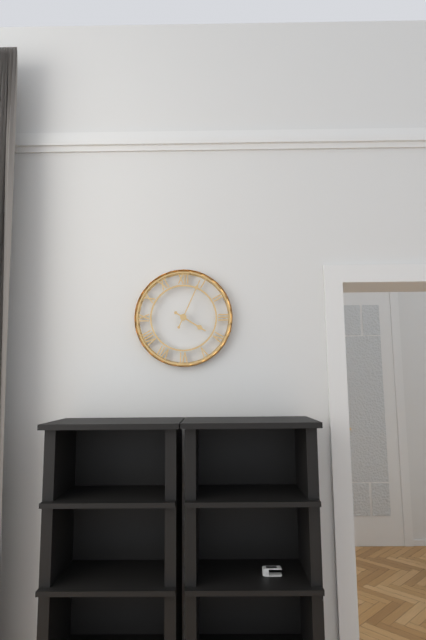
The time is 4:04
